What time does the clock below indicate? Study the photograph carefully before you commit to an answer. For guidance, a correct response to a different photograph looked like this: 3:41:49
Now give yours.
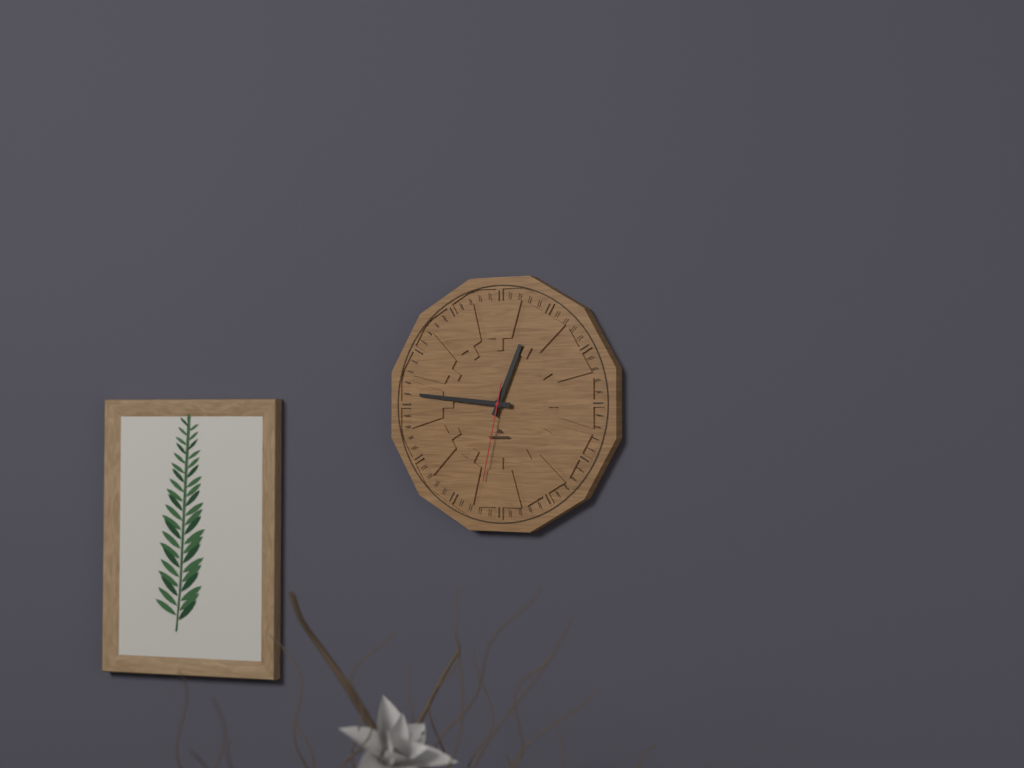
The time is 12:46:32
